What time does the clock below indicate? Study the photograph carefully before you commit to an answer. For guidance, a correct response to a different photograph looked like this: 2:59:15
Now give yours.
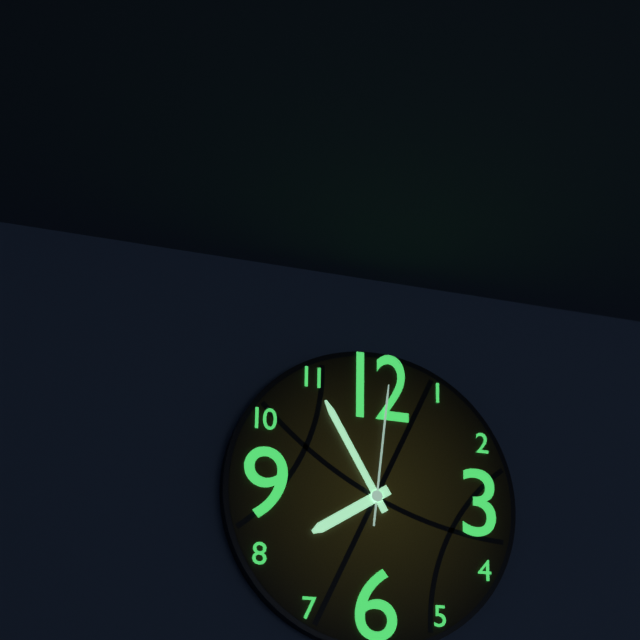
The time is 7:55:01
